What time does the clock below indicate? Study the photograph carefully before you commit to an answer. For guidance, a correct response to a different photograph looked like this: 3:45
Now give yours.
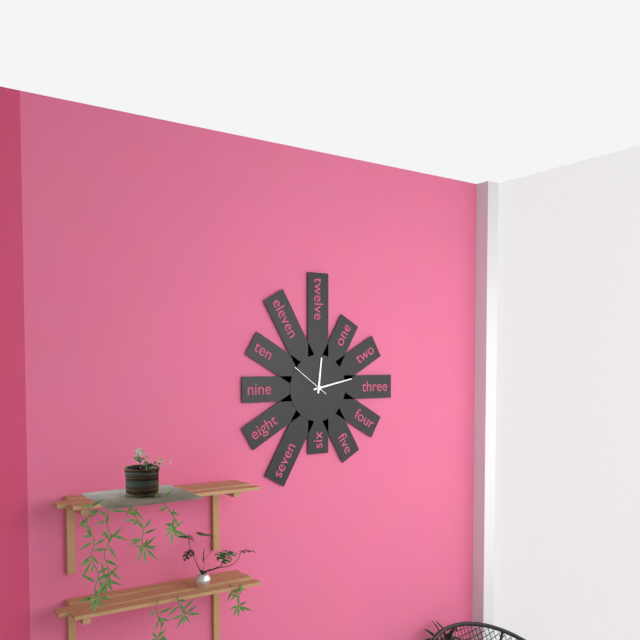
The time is 12:13
